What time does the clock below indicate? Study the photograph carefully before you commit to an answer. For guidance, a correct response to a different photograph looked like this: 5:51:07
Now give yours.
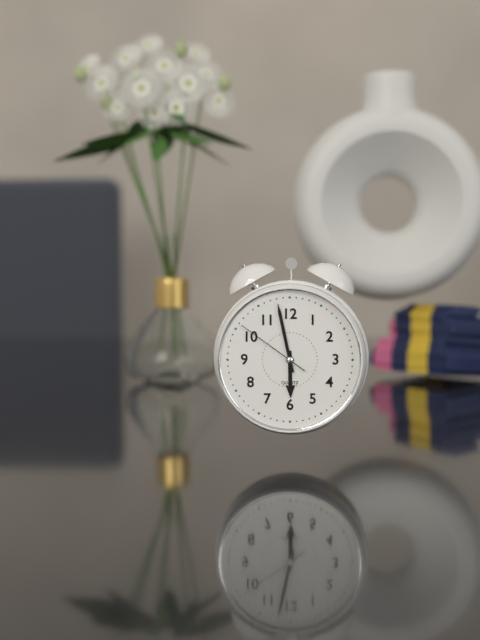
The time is 5:58:51
